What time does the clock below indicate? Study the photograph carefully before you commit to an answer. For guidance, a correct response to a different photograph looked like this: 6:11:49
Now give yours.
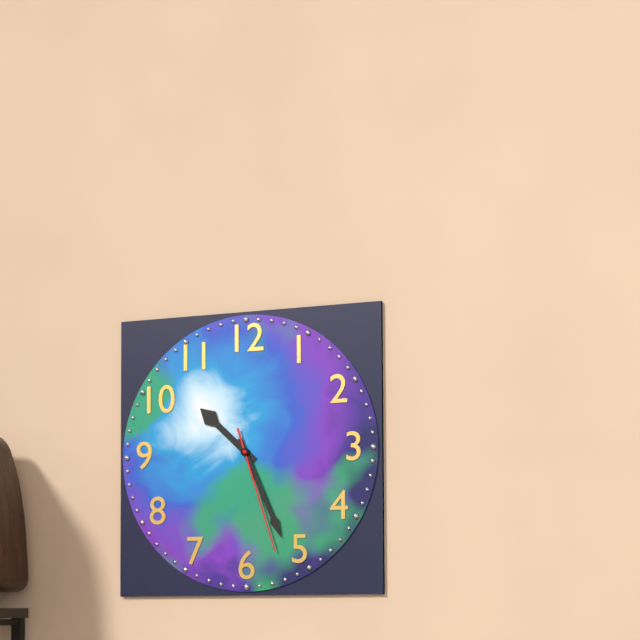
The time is 10:26:27
